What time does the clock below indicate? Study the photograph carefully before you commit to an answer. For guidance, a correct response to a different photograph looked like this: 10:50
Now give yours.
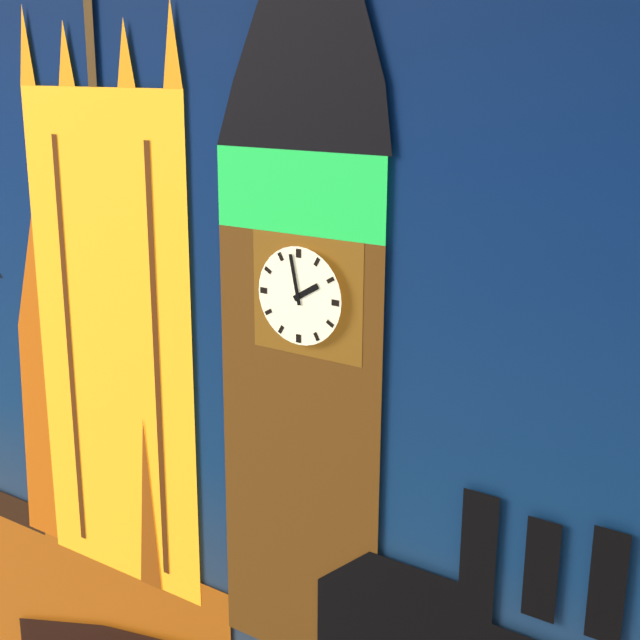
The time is 1:58
